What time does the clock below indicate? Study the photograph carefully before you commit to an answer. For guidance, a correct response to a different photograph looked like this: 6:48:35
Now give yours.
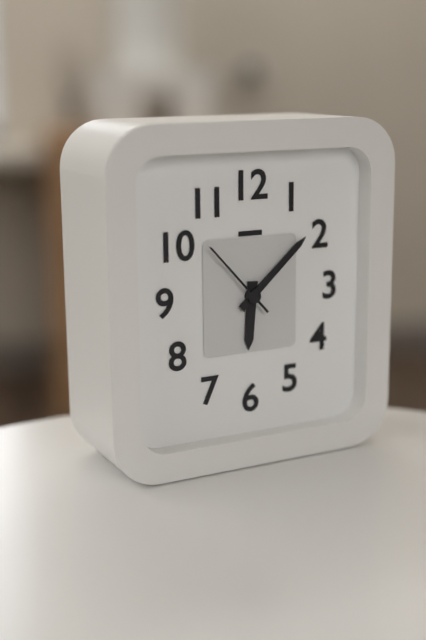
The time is 6:08:53
